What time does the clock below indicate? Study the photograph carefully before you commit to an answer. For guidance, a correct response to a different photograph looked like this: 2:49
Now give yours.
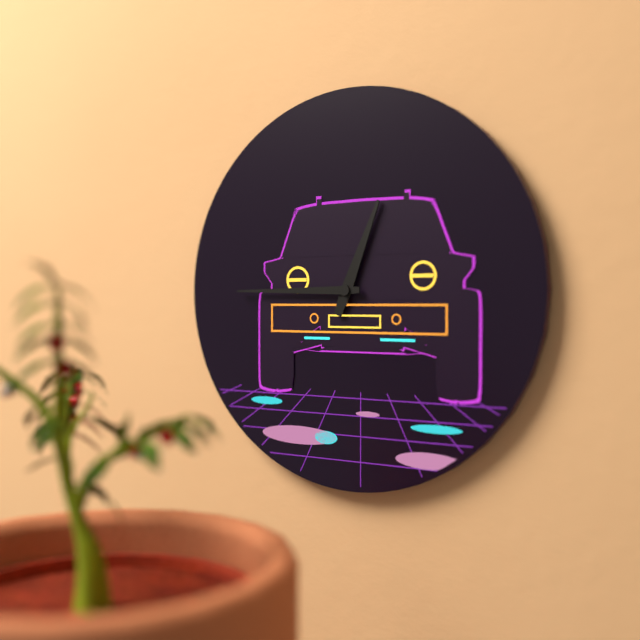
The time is 12:45
